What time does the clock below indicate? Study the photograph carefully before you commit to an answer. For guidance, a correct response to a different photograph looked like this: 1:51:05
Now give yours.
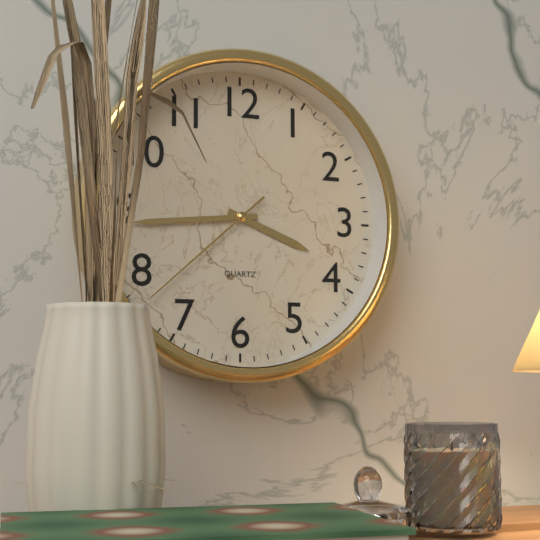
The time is 3:44:38
